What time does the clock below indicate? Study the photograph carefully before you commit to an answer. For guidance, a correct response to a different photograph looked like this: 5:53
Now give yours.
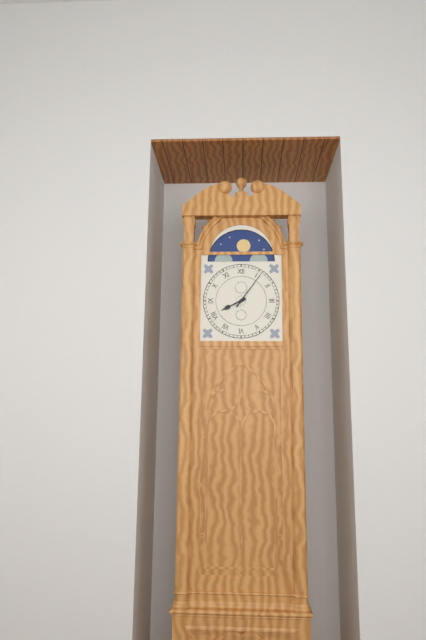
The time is 8:06
